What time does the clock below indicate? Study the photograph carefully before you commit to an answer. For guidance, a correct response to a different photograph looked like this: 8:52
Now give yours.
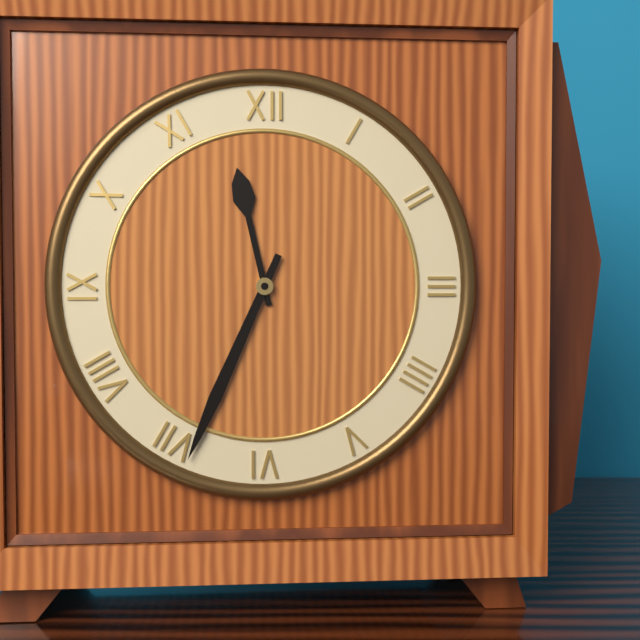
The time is 11:34
